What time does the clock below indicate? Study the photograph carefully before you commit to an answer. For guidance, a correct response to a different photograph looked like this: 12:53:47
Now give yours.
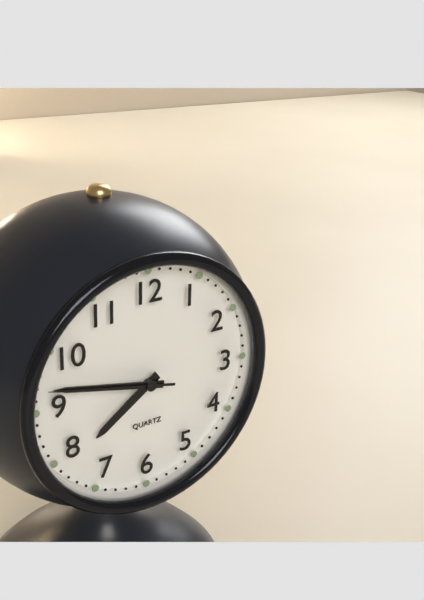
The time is 7:47:47
